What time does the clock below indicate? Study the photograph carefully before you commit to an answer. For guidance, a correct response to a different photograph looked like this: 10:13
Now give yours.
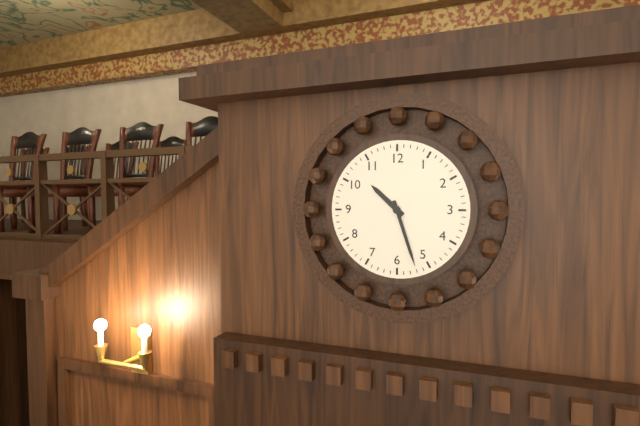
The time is 10:27
